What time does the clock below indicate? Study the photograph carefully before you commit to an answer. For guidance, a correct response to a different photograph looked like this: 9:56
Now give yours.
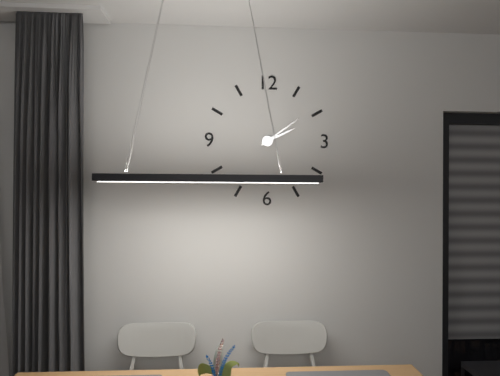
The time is 2:09
